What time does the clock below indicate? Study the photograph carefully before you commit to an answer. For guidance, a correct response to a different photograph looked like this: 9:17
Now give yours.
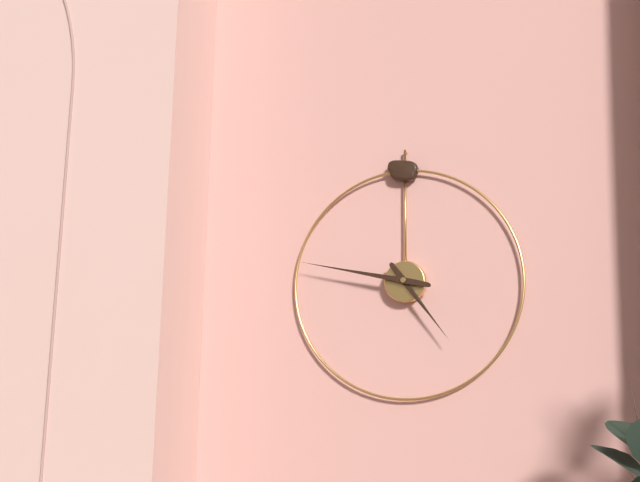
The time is 4:47
